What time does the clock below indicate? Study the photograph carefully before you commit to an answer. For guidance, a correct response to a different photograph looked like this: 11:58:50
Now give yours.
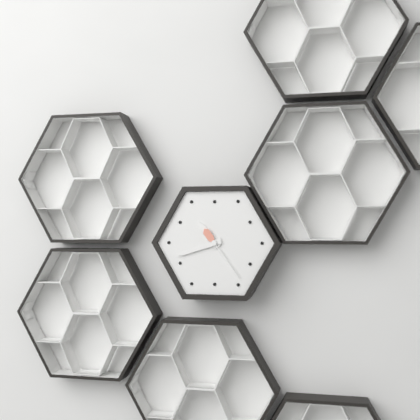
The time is 10:42:24
